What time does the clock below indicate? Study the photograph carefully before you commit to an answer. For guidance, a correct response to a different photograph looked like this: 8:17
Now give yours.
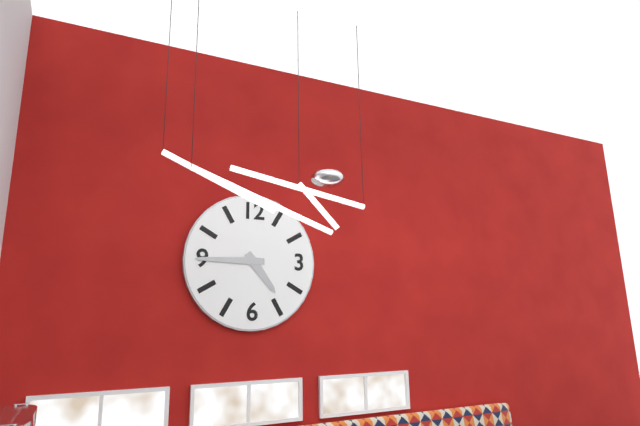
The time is 4:45
